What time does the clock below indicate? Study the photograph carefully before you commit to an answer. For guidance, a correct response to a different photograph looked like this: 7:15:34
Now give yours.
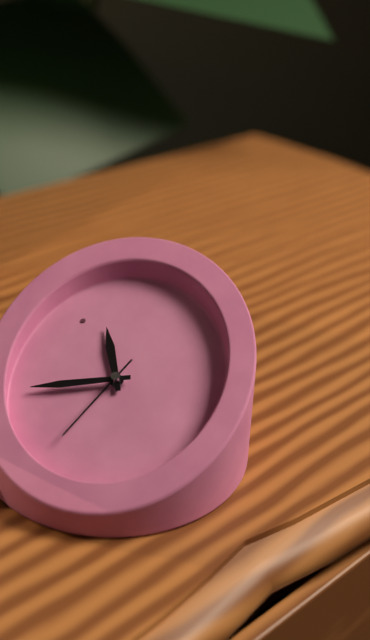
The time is 1:56:48
